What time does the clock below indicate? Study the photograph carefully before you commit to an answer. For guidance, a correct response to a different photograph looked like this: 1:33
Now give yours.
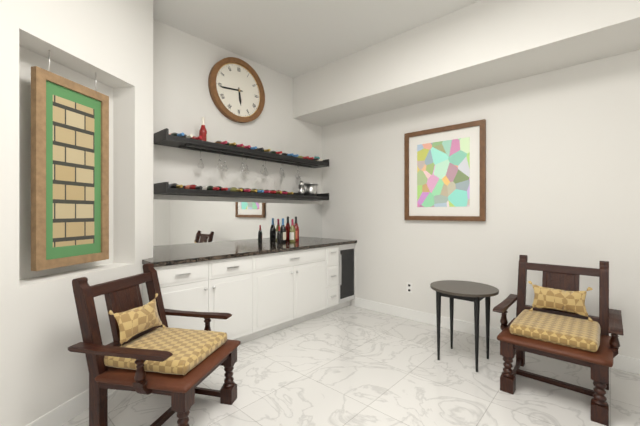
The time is 5:44
